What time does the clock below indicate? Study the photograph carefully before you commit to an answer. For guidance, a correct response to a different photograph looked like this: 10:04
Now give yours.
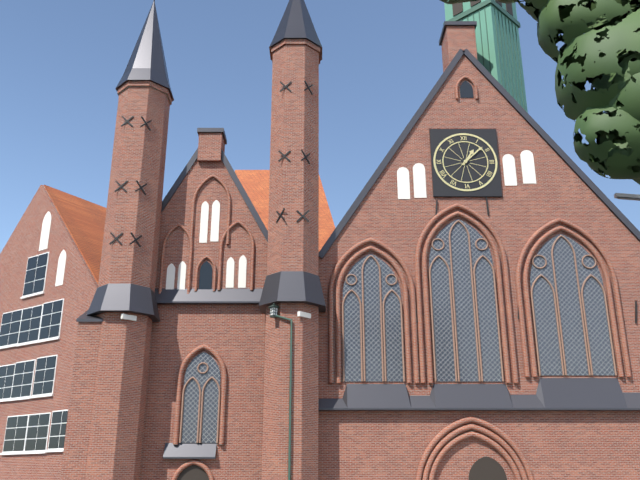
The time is 1:08
